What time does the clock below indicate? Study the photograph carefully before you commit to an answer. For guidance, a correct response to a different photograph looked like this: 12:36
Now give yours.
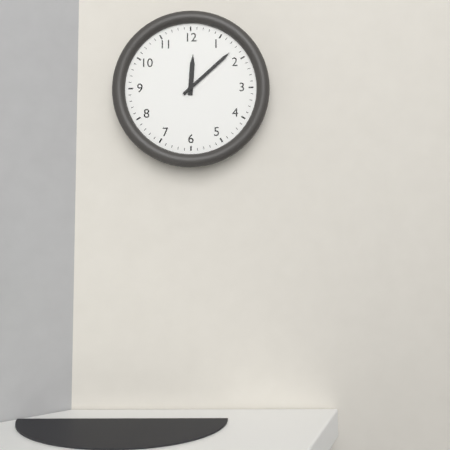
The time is 12:08
